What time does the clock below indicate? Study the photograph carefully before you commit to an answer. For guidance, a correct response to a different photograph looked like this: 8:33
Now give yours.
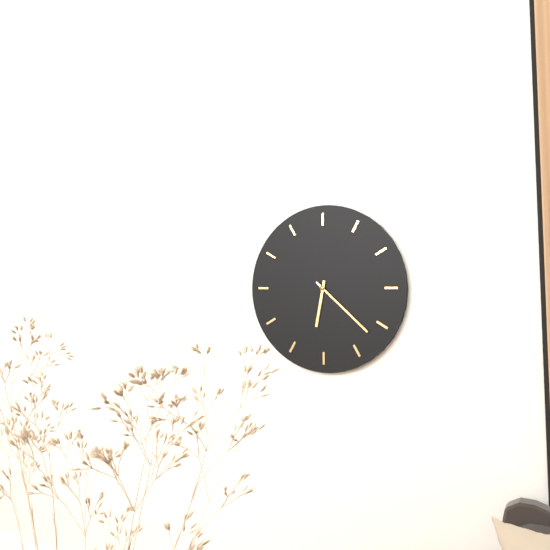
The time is 6:22
